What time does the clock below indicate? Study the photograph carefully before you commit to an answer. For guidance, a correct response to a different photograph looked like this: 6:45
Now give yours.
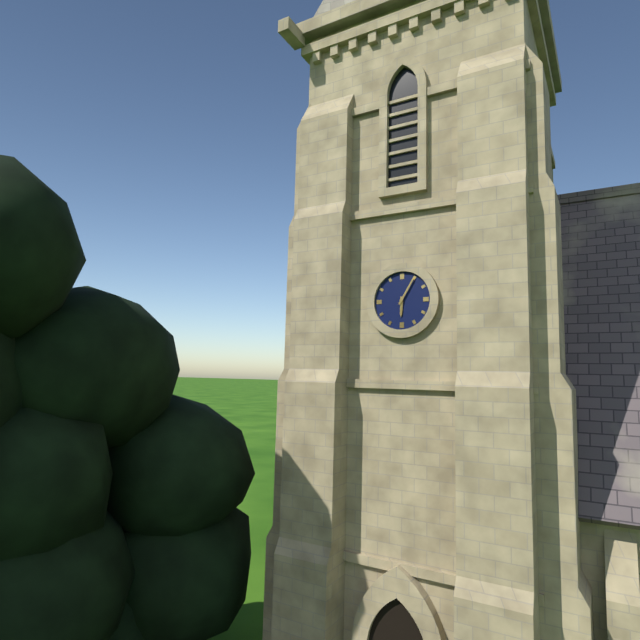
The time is 6:05
